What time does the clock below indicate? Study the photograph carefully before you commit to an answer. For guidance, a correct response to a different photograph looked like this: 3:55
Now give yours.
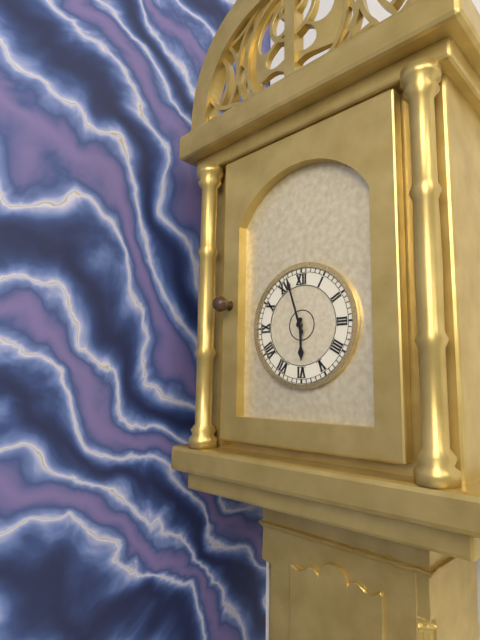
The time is 5:57
